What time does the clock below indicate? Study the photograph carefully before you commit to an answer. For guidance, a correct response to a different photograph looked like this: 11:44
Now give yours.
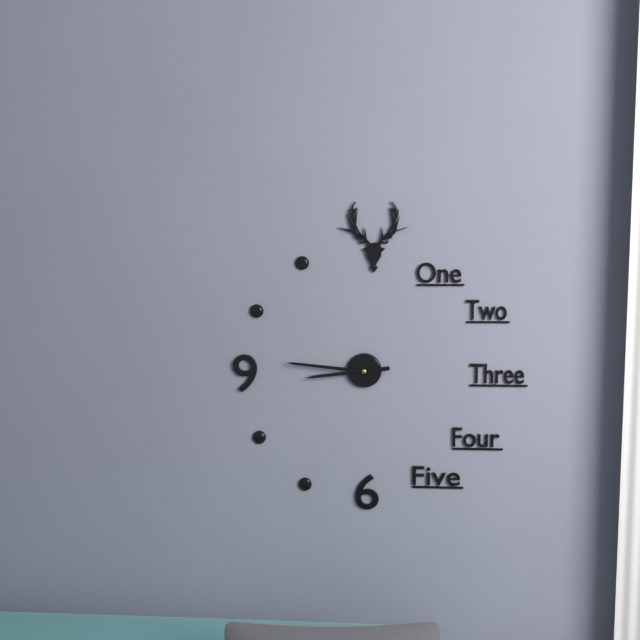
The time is 8:46
